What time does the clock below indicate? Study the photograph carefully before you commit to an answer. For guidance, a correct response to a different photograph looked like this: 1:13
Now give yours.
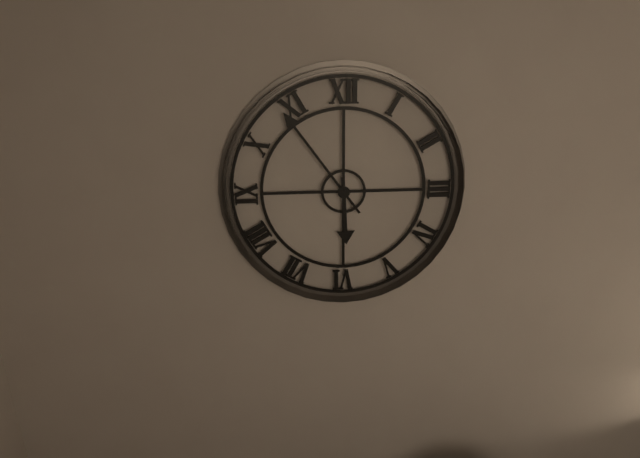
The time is 5:54
